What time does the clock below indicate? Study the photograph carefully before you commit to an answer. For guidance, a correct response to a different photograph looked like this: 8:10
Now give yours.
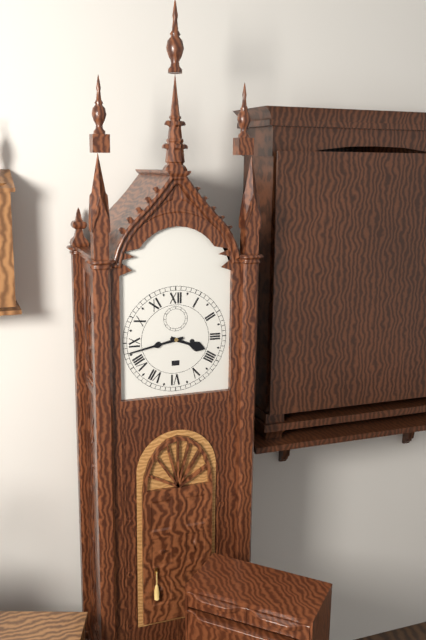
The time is 3:43
